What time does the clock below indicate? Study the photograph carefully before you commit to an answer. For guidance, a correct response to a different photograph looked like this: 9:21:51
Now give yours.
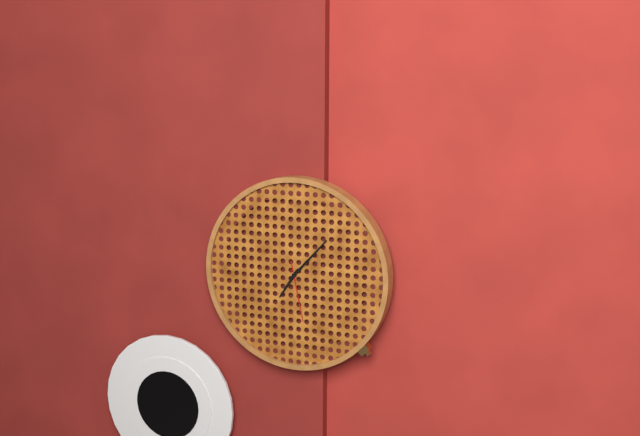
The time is 7:07:28
